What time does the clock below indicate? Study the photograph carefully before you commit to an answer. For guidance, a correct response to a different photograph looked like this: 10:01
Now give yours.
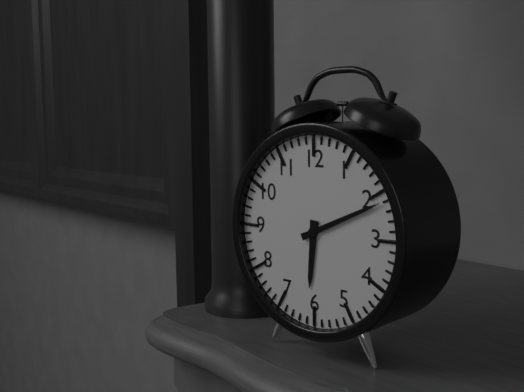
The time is 6:11
